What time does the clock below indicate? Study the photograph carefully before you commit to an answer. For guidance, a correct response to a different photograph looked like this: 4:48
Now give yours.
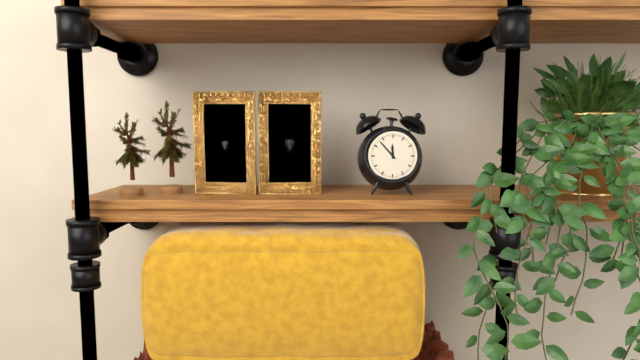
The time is 11:53
